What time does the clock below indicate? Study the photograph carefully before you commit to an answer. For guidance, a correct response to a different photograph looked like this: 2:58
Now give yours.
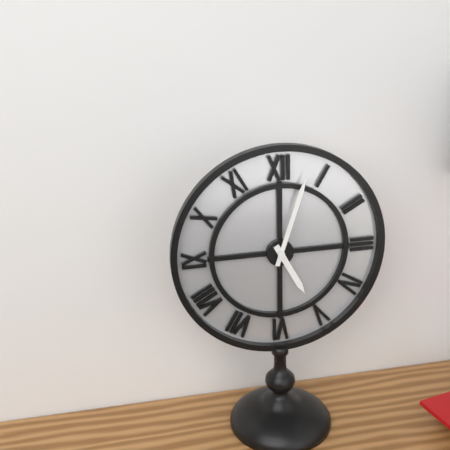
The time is 5:03
